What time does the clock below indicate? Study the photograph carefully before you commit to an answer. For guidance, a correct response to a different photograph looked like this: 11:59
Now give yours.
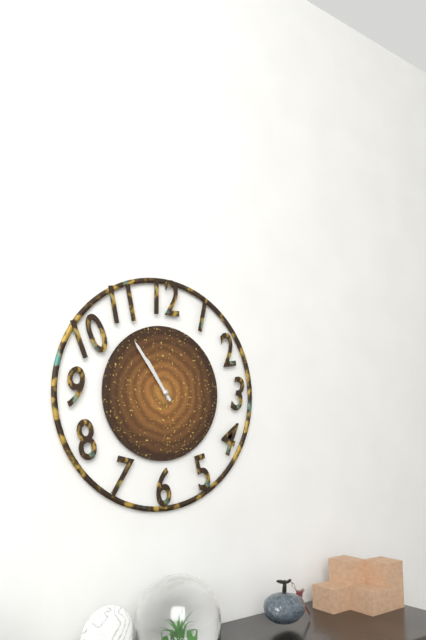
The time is 10:54
